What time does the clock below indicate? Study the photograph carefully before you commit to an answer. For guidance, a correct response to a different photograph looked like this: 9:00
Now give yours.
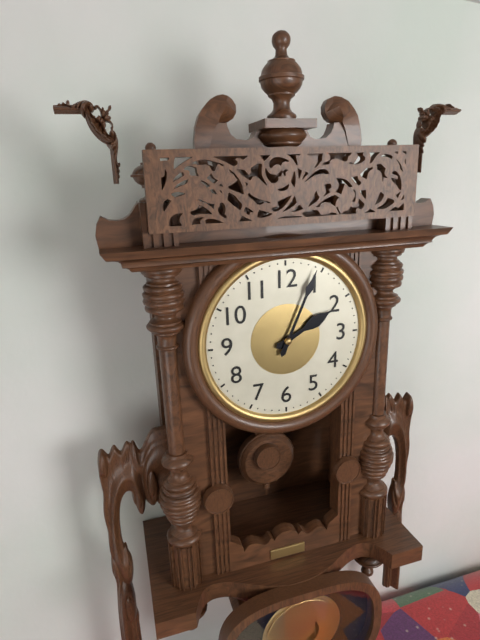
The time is 2:04
